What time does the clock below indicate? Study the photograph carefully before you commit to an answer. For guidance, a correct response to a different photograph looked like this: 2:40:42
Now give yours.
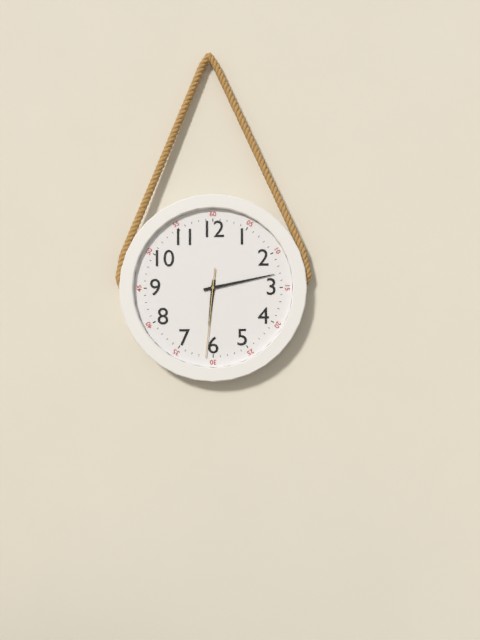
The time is 6:13:31
